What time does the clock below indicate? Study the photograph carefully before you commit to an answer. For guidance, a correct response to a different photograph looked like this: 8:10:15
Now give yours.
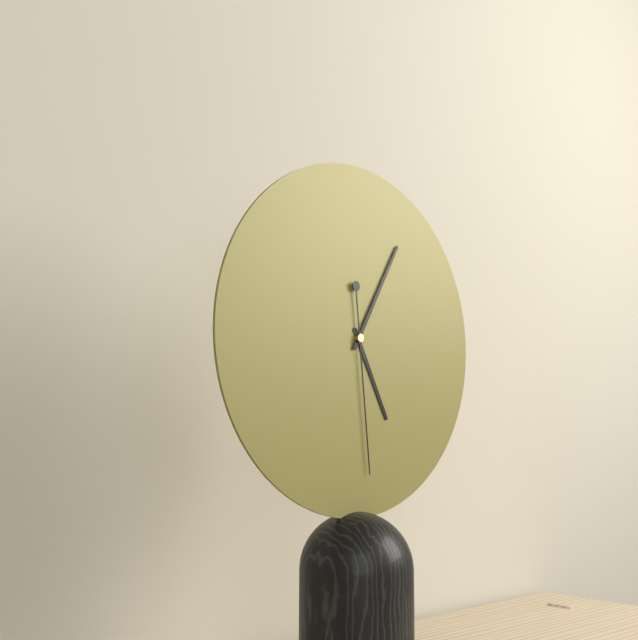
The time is 5:05:29
